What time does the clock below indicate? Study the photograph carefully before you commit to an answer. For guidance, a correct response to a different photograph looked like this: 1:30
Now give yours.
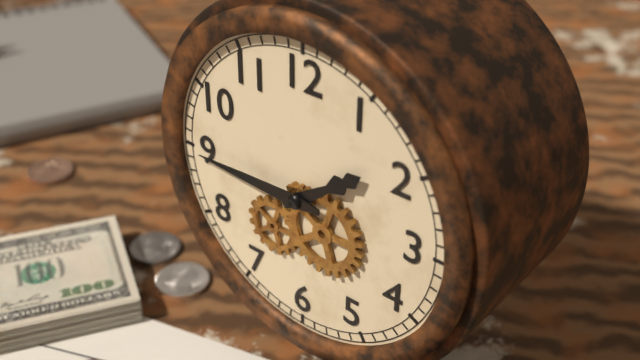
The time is 1:45
